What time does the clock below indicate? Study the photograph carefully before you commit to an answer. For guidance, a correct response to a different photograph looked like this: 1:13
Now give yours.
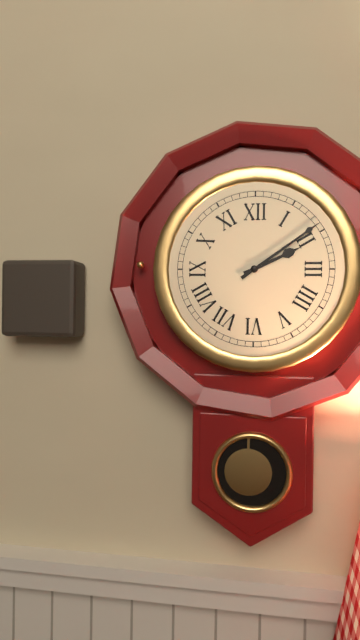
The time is 2:09
